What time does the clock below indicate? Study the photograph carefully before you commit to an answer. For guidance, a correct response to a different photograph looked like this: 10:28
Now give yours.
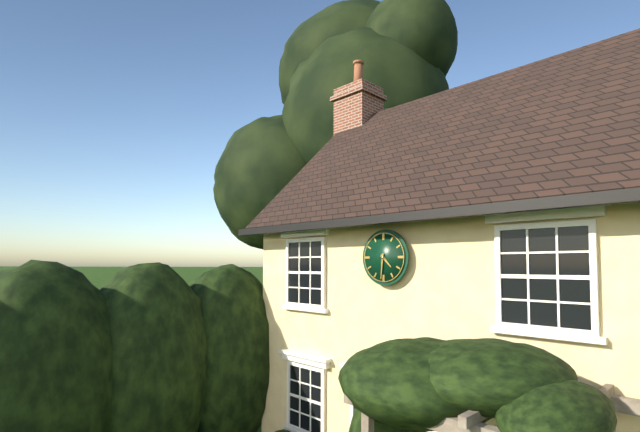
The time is 4:31
